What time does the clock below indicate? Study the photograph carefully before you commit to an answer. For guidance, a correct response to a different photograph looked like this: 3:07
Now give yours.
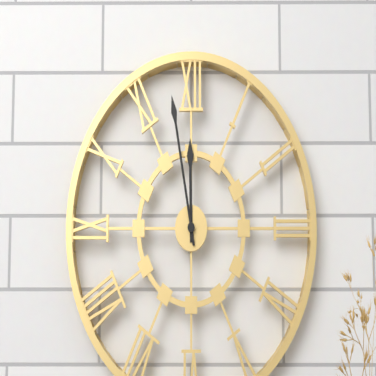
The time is 11:58
